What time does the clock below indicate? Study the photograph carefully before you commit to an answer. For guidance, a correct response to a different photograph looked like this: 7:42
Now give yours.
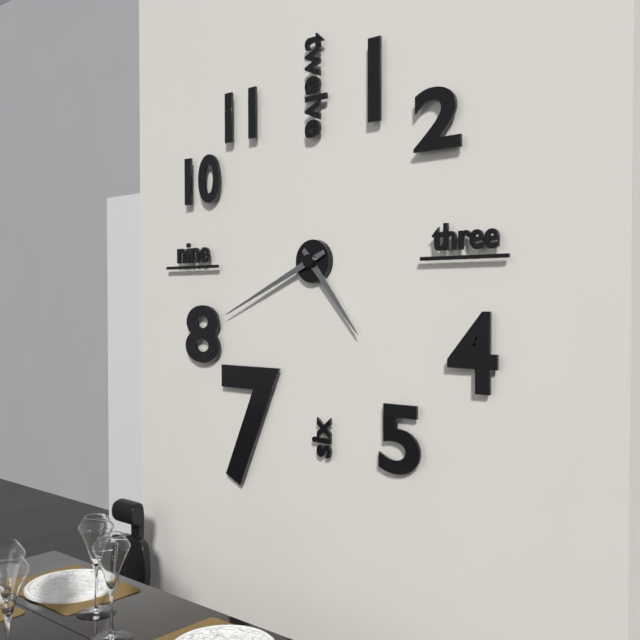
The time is 4:41
